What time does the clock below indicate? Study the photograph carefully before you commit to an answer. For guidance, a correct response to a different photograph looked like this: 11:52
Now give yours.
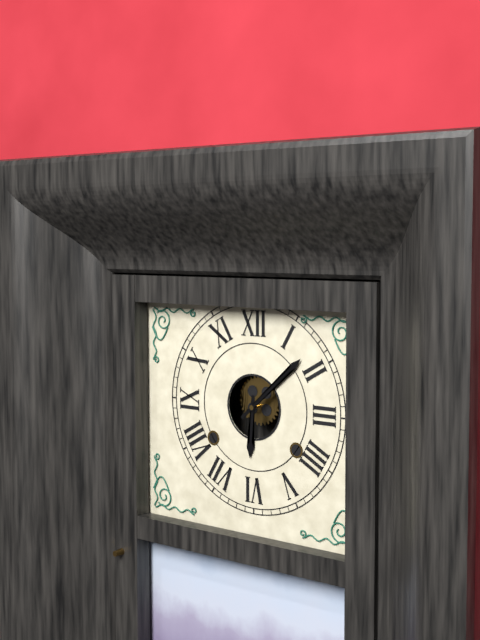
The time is 6:08
